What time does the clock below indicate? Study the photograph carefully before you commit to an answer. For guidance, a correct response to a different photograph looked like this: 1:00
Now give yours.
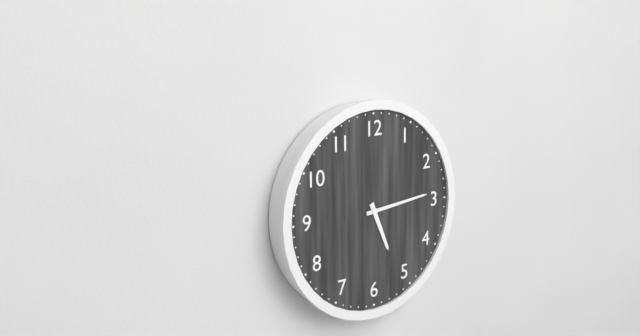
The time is 5:14
